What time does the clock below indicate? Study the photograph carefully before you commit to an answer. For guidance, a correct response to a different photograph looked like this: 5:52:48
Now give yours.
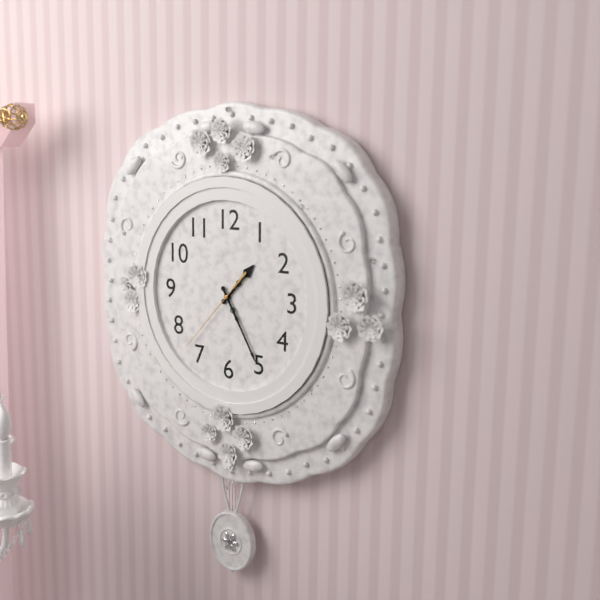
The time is 1:25:37
